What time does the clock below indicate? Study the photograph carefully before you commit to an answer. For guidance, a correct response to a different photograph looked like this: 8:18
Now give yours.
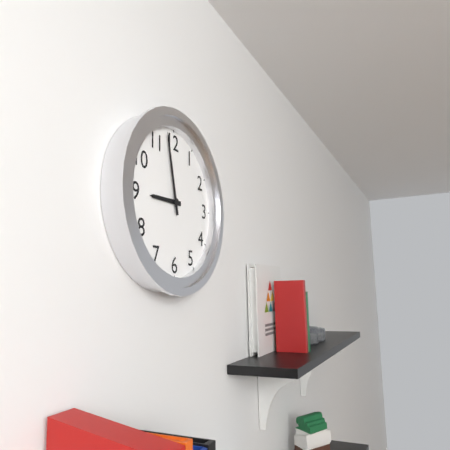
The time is 8:58
